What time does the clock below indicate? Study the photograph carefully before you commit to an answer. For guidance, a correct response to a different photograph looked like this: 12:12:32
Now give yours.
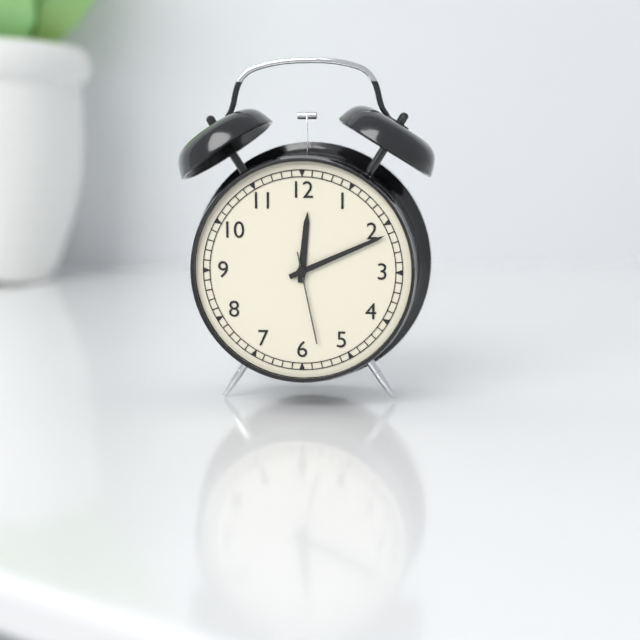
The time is 12:11:28
